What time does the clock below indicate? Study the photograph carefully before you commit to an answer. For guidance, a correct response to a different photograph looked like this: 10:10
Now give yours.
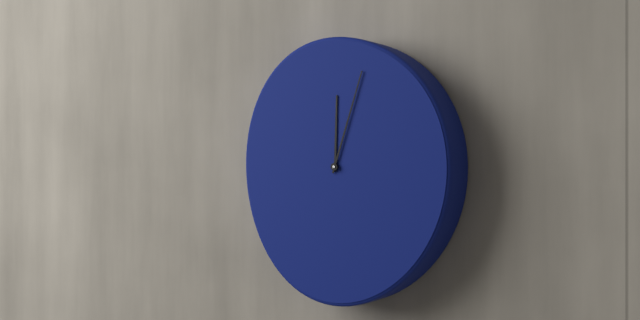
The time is 12:03
